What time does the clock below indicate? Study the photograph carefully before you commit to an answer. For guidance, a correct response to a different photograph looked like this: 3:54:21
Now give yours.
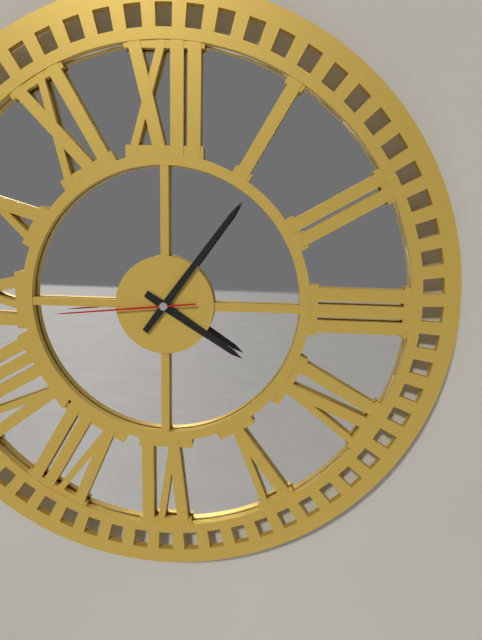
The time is 4:06:44
